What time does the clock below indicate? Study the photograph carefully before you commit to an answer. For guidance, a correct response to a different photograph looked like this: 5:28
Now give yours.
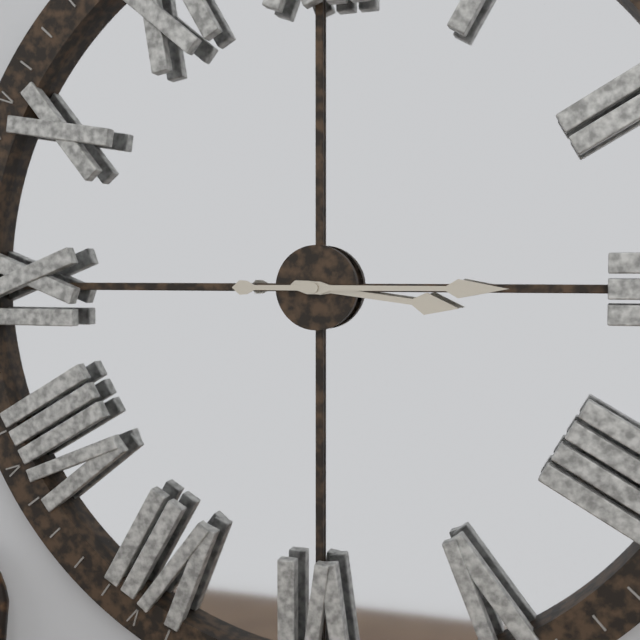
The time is 3:15
